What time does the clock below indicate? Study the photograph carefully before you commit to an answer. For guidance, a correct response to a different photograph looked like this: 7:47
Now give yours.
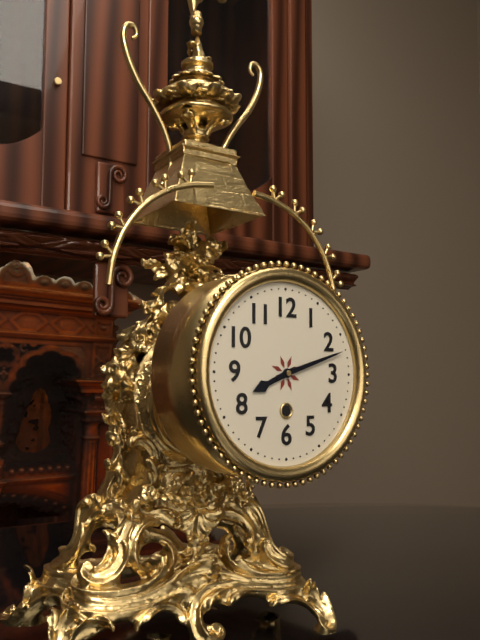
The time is 8:12
